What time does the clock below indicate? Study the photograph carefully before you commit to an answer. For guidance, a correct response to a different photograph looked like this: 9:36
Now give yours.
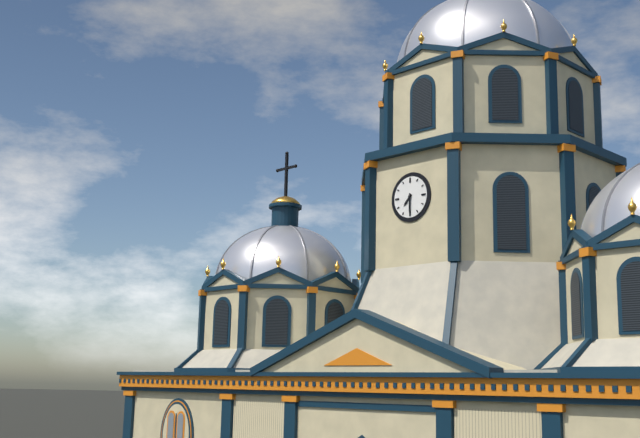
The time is 7:30
